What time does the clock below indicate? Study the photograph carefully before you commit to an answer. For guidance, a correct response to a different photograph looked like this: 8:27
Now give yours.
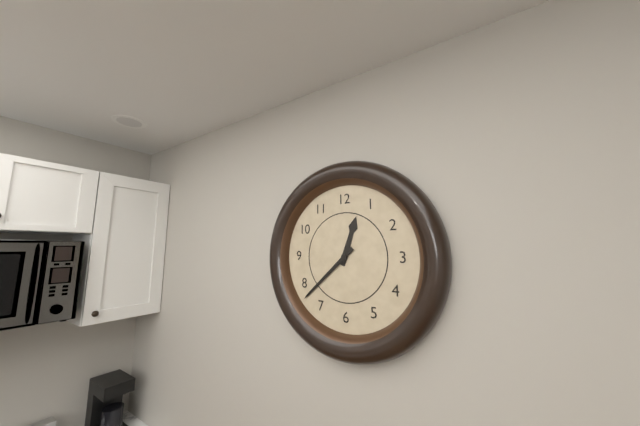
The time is 12:38
